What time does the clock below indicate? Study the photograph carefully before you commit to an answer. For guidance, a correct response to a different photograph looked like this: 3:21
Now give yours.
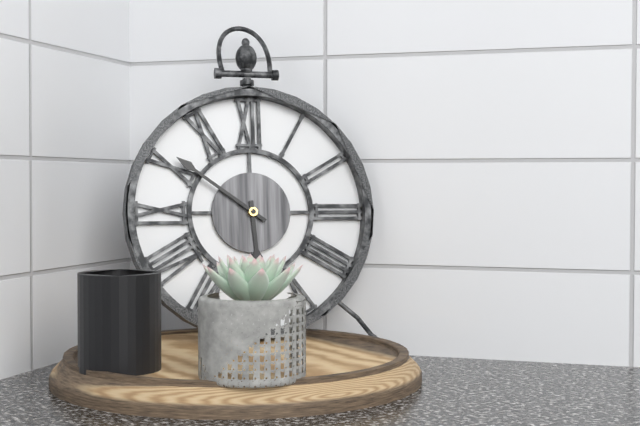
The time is 5:51
